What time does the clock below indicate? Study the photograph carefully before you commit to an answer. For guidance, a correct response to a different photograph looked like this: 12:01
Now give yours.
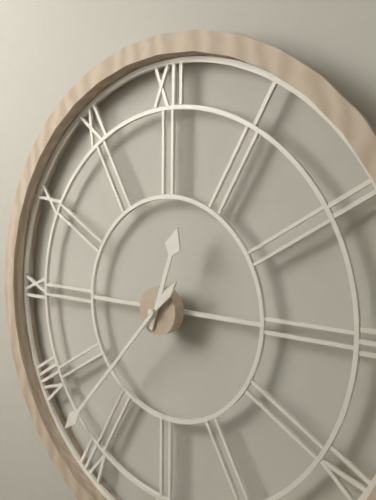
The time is 12:37
